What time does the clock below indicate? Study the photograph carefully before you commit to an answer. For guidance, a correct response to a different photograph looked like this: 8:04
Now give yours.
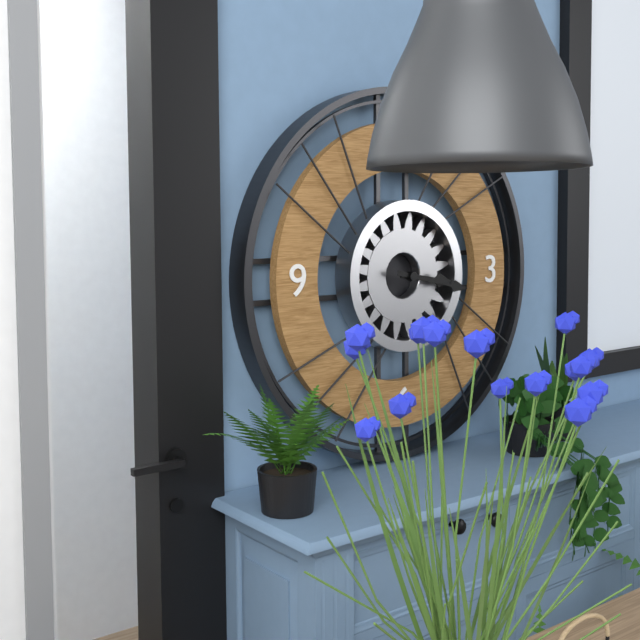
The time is 3:17
